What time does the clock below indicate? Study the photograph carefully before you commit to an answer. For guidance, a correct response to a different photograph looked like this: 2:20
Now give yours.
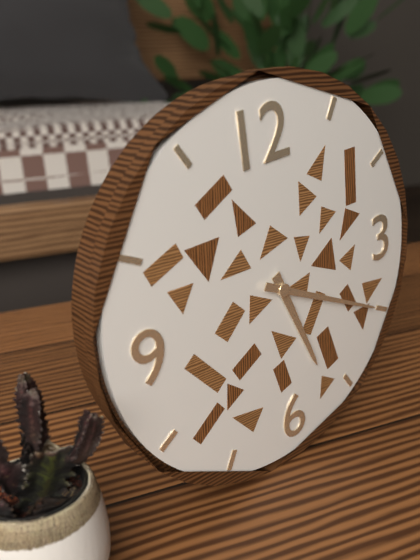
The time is 5:20
